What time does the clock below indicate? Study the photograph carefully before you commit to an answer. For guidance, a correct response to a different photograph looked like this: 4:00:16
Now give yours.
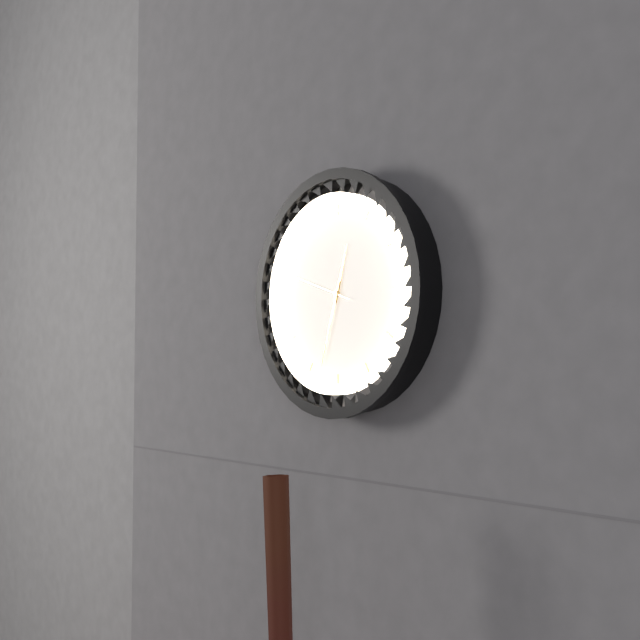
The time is 12:33:48
